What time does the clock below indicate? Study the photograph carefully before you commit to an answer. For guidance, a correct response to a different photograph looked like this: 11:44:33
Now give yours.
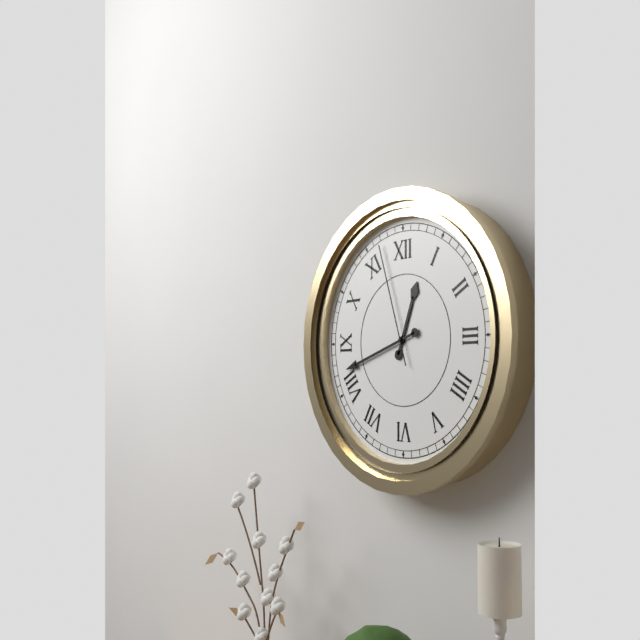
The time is 12:42:57
